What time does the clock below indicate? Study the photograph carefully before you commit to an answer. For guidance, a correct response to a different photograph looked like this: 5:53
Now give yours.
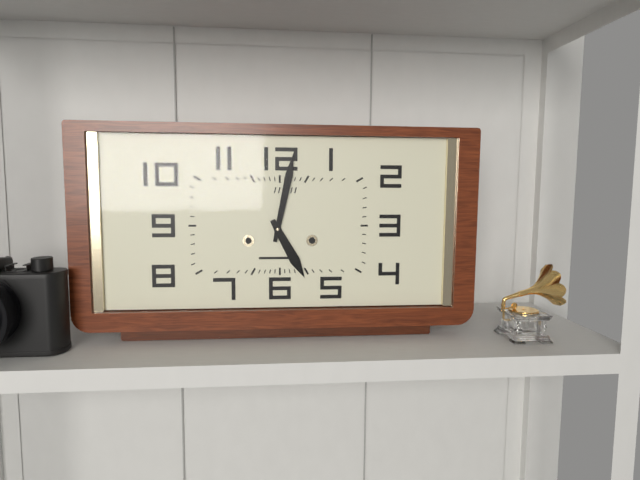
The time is 5:02
